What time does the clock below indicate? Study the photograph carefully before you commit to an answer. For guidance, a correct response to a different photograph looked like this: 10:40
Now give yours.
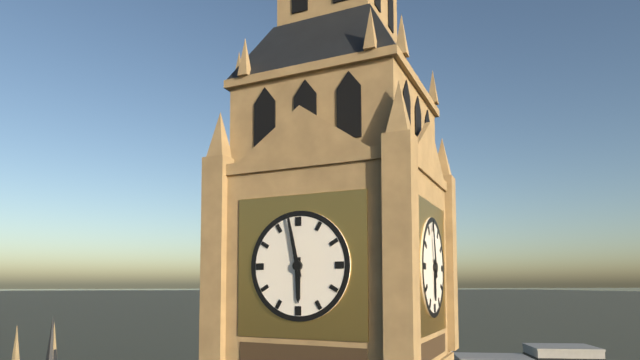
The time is 5:58
